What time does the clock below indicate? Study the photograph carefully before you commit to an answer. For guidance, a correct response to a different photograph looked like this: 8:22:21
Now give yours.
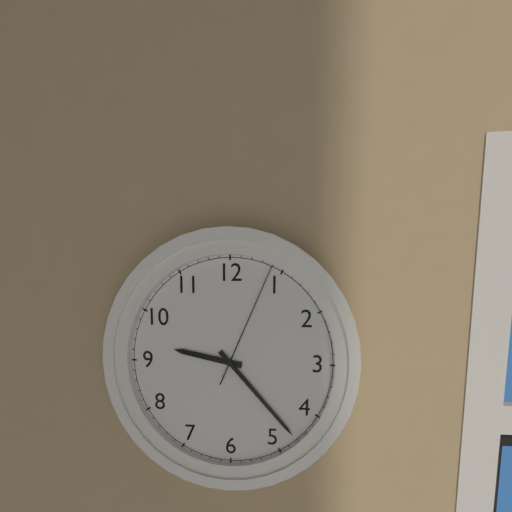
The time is 9:23:04
